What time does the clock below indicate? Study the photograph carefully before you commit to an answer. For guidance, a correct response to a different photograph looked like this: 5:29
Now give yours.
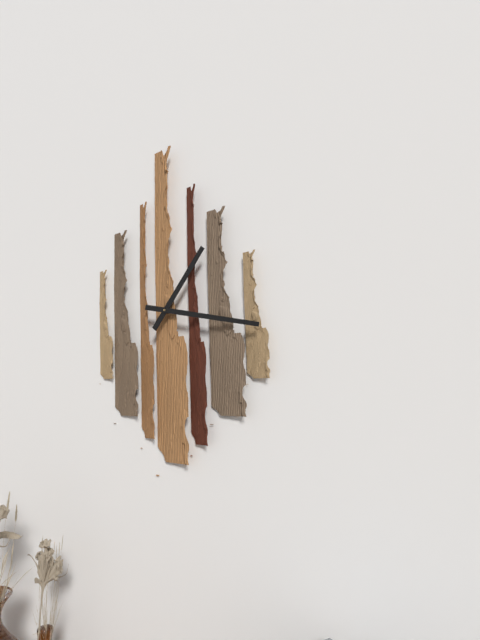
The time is 1:17
